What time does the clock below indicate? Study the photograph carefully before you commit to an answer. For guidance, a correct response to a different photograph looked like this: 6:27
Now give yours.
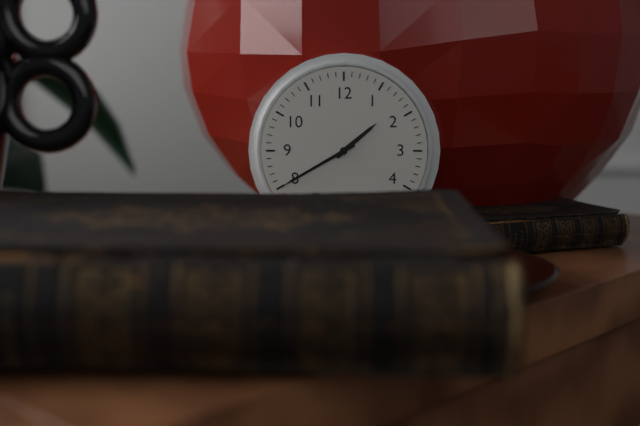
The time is 1:40
